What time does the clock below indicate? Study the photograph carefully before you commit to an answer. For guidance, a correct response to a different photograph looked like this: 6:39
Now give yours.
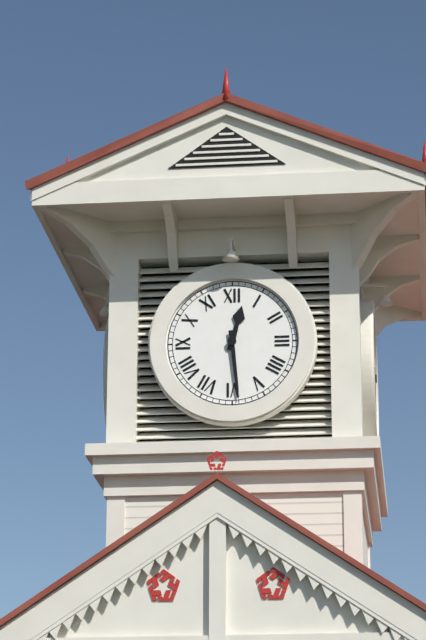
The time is 12:29
